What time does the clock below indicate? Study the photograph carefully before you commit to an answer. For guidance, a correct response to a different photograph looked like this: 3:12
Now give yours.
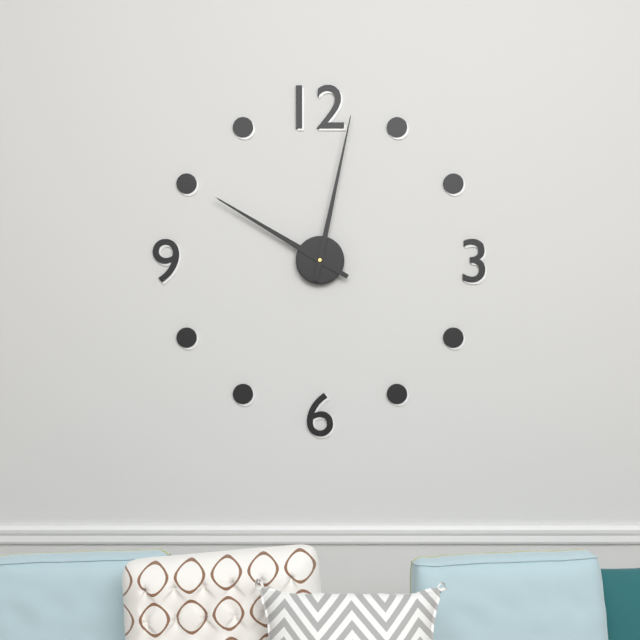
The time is 10:02
